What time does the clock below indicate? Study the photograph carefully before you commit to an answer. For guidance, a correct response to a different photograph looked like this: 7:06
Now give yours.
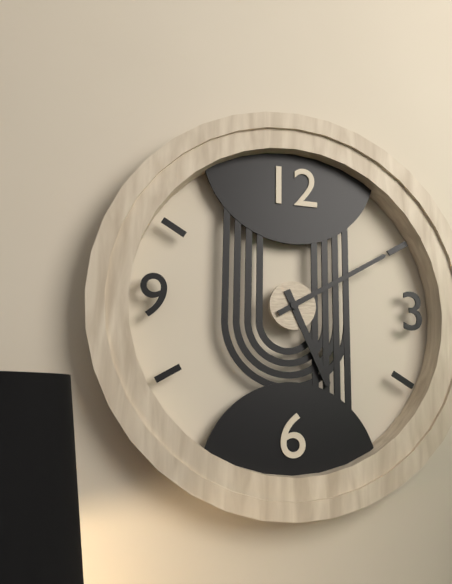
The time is 5:10
